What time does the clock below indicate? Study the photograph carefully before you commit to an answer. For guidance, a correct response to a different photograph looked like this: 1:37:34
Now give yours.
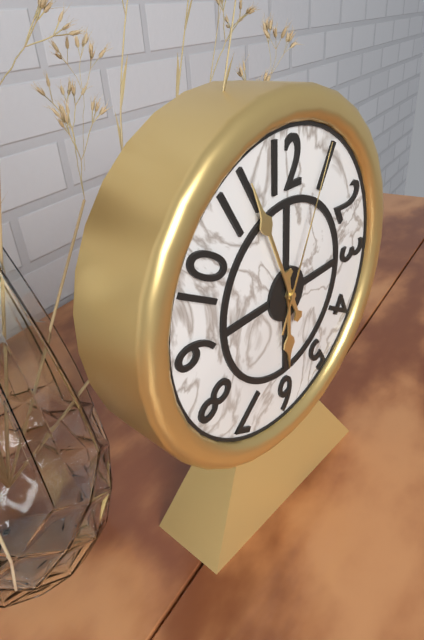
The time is 5:56:04
